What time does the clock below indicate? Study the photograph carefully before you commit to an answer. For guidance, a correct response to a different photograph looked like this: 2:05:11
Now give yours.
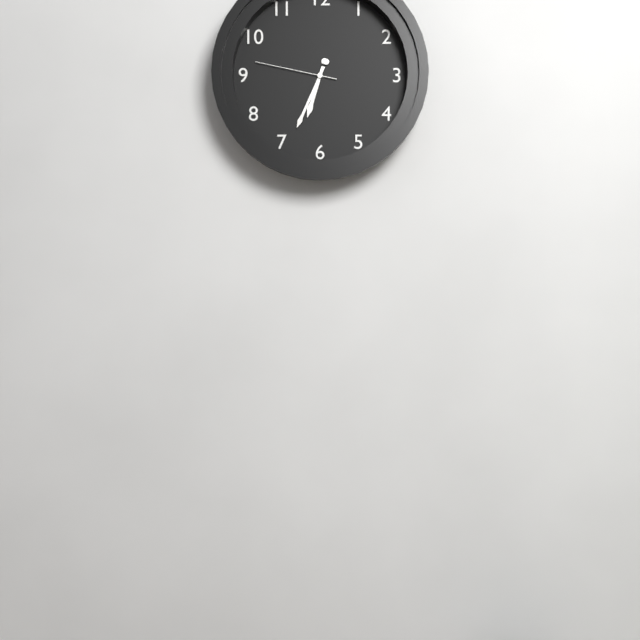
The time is 6:34:47
